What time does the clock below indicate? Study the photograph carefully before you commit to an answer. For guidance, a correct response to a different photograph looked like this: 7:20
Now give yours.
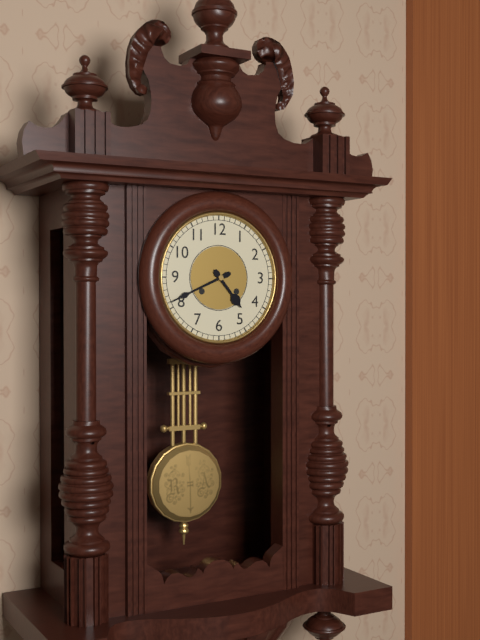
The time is 4:41
